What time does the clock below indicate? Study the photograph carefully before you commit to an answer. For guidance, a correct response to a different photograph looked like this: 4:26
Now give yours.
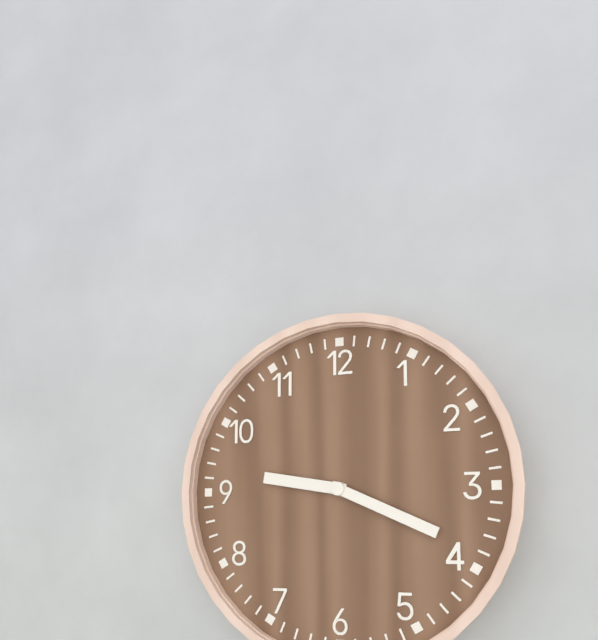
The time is 9:19
